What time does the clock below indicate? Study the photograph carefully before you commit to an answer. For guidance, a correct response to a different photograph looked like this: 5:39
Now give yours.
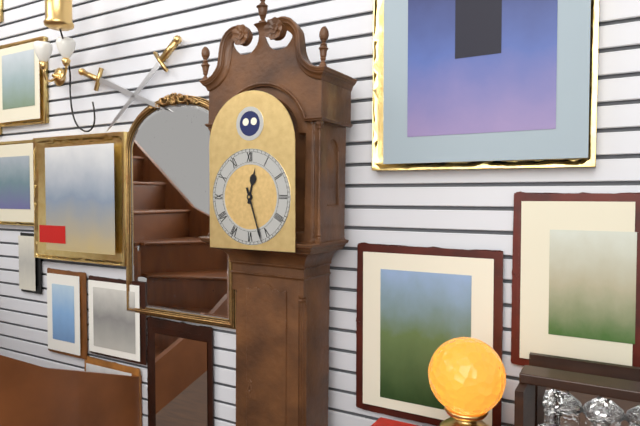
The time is 12:27
